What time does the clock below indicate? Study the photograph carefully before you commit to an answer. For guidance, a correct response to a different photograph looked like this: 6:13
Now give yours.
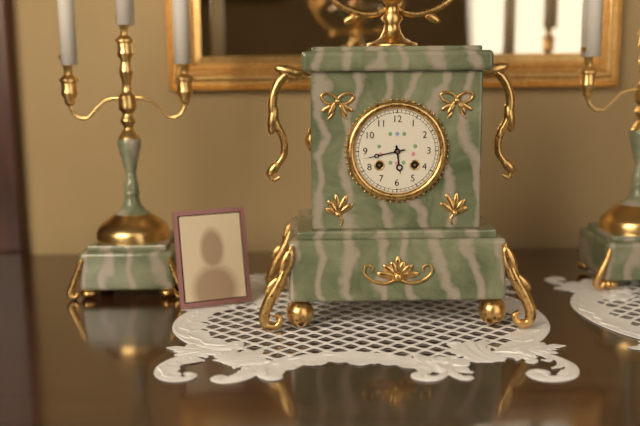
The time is 5:43
